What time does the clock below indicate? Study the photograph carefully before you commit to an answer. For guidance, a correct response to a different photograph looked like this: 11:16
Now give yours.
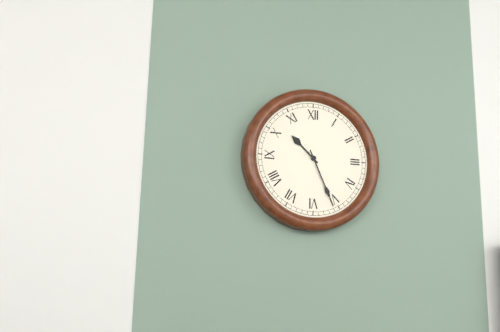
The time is 10:26
